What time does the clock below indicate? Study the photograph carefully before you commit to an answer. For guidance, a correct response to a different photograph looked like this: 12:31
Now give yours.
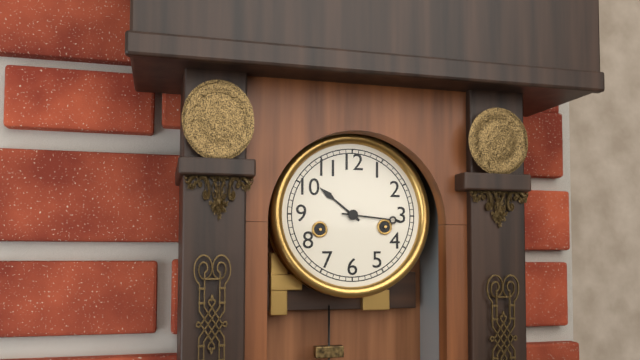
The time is 10:16
